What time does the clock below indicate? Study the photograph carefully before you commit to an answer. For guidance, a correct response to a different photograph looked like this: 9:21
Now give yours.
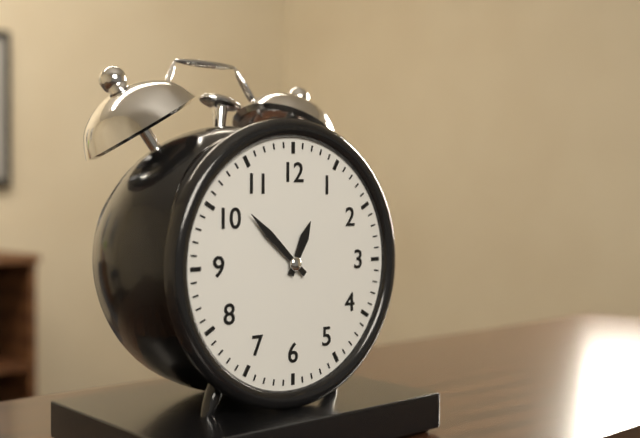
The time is 12:52
